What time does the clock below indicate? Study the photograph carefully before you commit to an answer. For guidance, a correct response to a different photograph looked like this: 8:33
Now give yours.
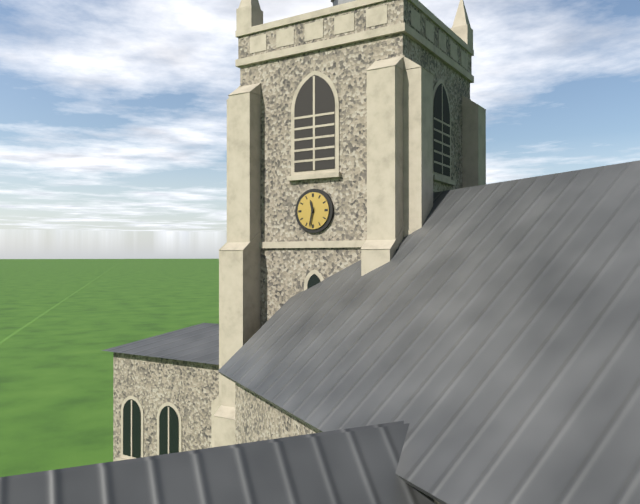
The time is 11:32
